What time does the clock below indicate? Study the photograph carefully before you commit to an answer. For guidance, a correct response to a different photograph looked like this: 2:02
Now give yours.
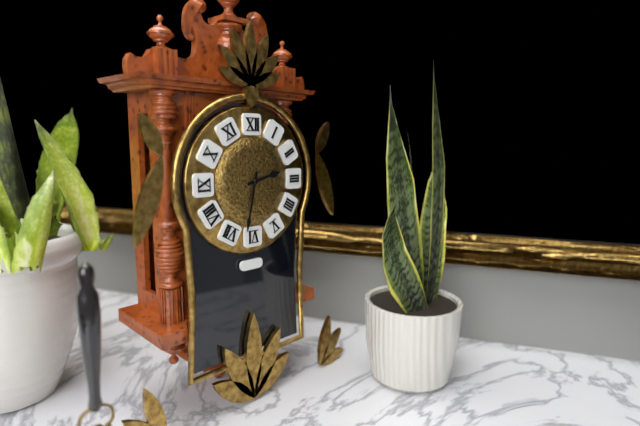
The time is 2:32
